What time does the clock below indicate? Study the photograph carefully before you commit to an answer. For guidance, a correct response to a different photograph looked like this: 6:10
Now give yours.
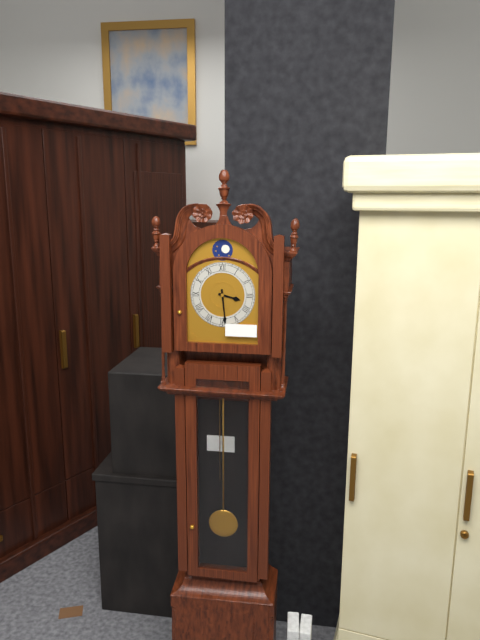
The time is 3:29
